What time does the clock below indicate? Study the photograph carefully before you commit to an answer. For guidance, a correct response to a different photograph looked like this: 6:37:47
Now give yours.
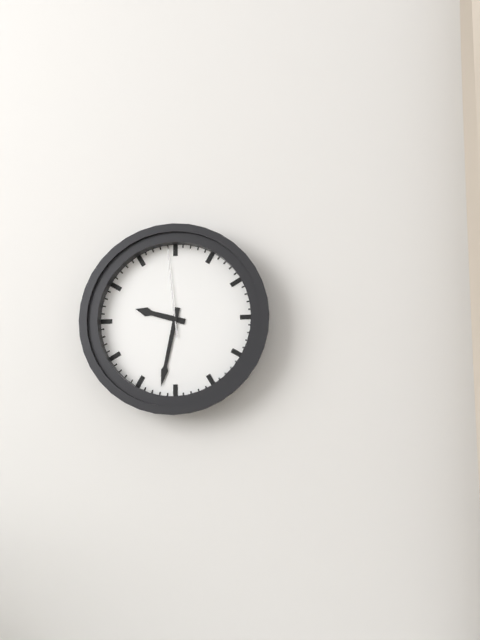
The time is 9:32:59
